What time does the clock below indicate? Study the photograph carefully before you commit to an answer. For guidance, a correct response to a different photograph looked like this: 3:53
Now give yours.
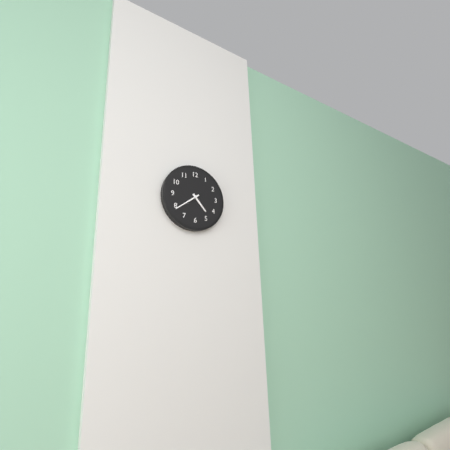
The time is 4:39
